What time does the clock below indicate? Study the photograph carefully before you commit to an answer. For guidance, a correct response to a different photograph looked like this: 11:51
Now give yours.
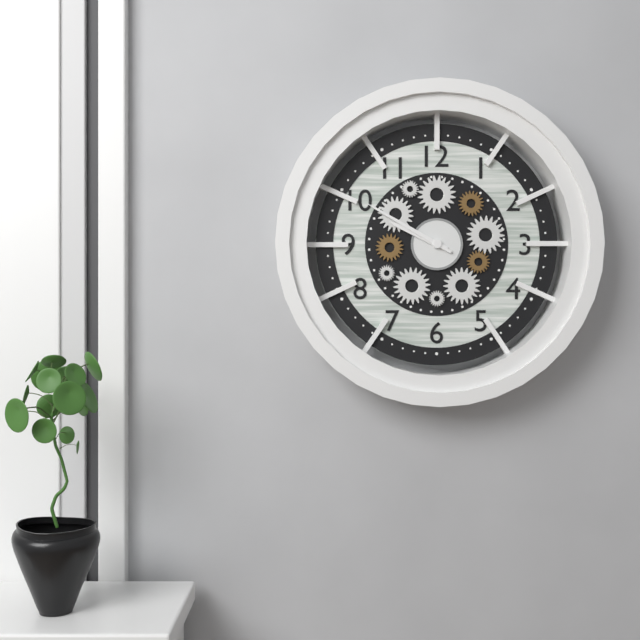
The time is 9:50
